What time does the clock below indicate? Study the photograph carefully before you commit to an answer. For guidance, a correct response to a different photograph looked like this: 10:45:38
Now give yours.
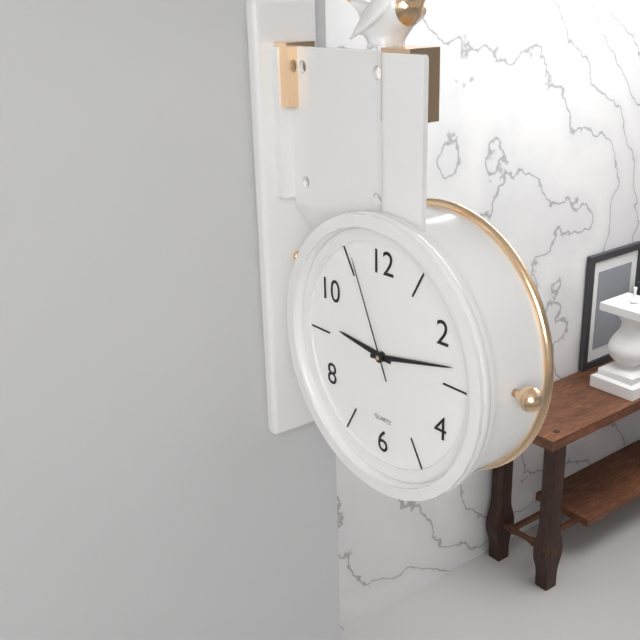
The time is 9:13:56
